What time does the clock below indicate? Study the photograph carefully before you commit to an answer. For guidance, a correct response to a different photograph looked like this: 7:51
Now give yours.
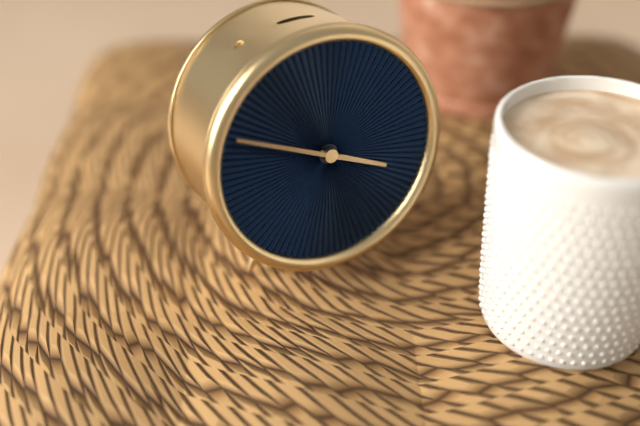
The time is 3:49
